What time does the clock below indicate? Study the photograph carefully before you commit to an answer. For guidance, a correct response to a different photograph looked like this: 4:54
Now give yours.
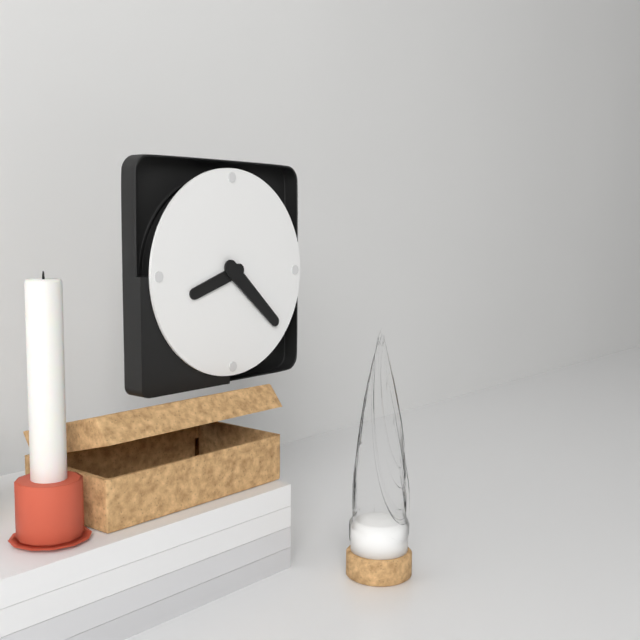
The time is 8:22
